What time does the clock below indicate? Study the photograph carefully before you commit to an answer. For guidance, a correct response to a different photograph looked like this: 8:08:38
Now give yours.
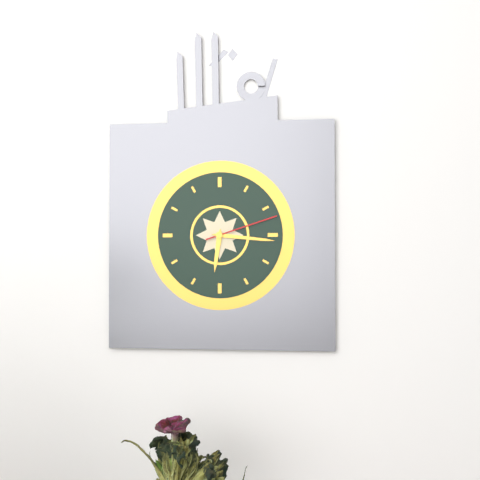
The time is 6:16:12
